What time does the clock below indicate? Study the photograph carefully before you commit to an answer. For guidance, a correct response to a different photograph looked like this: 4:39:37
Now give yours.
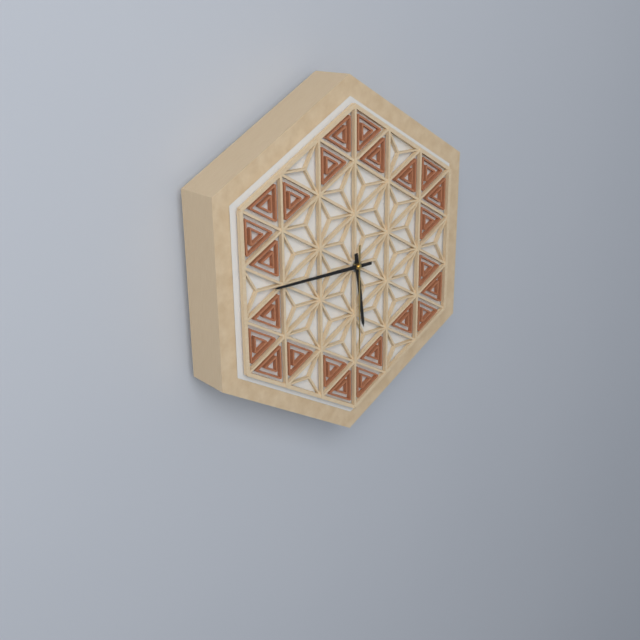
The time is 5:45:30
